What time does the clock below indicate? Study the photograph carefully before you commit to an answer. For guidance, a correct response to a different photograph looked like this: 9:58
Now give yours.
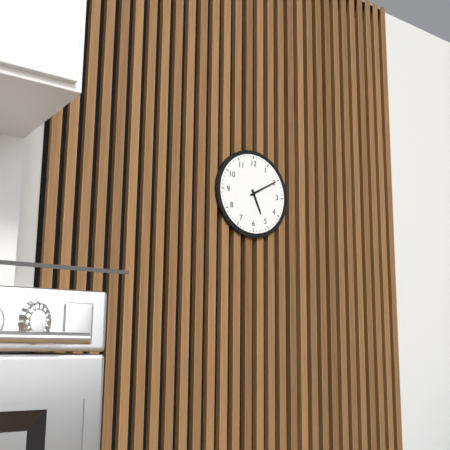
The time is 5:10
